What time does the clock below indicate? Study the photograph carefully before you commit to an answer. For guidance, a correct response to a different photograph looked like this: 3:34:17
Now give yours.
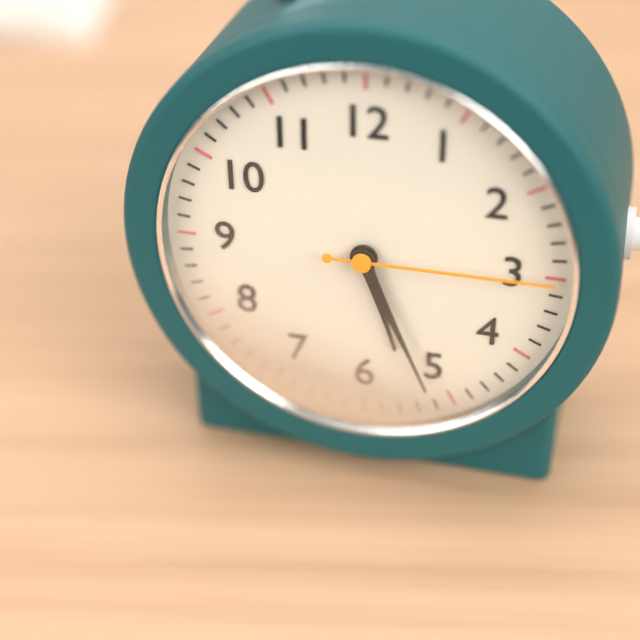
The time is 5:26:15
